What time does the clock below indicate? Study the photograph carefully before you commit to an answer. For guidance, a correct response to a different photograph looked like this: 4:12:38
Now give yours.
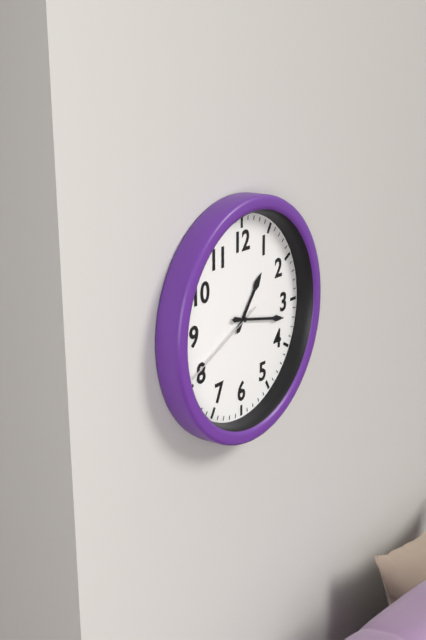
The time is 1:17:41
